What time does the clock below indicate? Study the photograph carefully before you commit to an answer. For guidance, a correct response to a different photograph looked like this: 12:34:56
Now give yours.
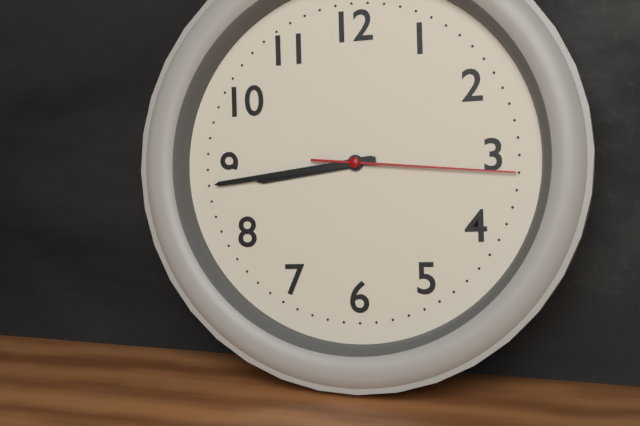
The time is 8:44:16
